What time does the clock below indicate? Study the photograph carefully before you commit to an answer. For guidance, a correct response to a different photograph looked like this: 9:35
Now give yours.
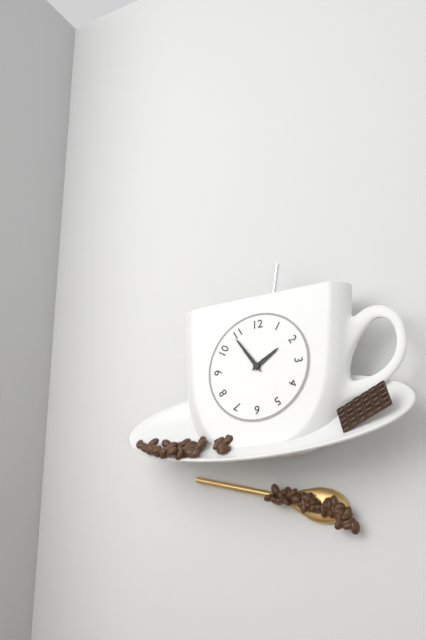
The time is 1:54
